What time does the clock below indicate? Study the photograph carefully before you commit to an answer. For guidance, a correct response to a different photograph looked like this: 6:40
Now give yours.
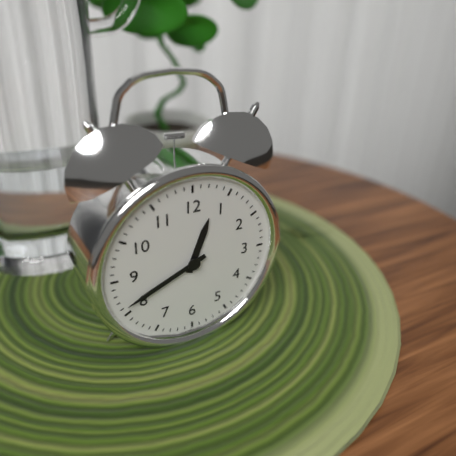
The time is 12:41
